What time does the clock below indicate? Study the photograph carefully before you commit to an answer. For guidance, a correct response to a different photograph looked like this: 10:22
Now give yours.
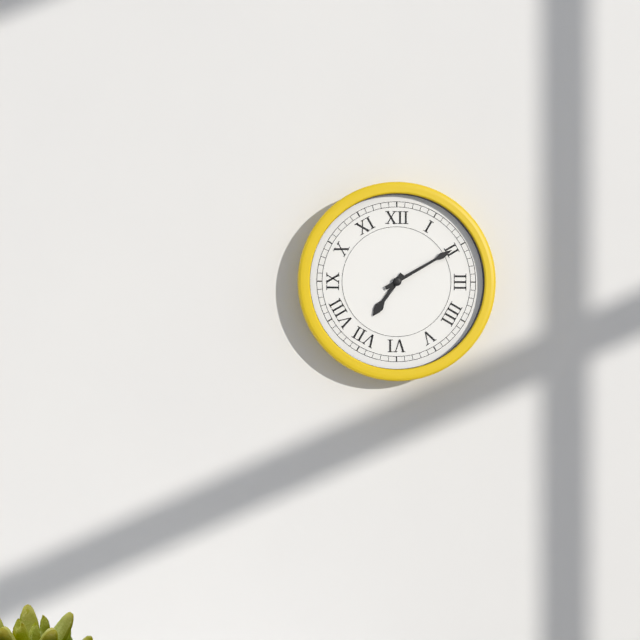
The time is 7:10
